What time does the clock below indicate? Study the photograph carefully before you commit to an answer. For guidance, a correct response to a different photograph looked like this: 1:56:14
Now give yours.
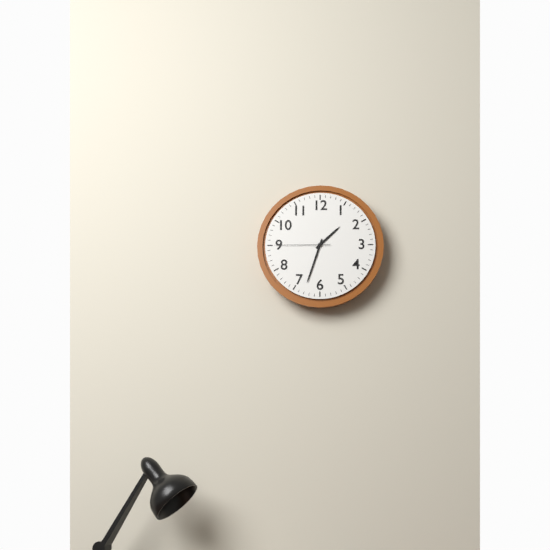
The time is 1:33:45
